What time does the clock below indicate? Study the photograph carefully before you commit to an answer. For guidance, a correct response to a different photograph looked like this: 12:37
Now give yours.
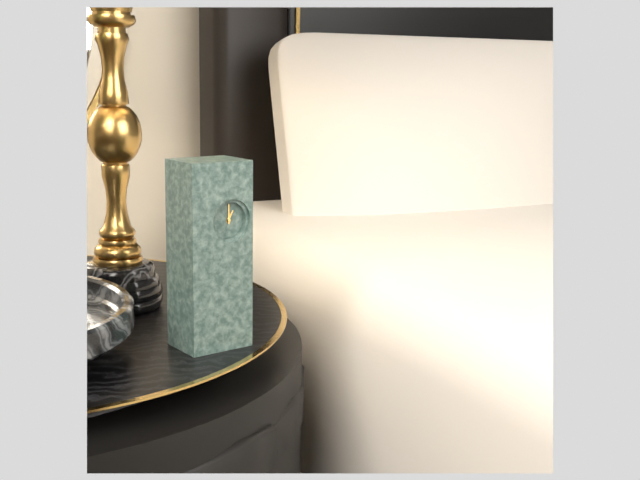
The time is 1:00
